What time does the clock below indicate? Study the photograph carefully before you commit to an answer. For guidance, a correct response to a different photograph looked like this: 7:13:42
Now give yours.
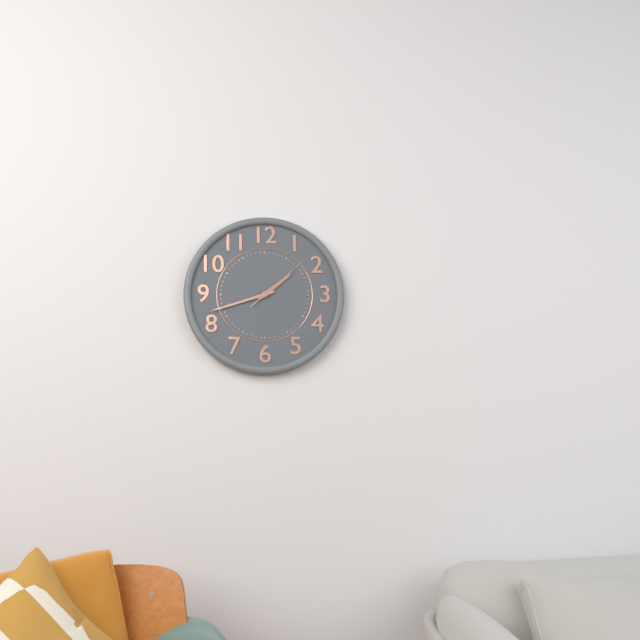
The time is 1:42:08
